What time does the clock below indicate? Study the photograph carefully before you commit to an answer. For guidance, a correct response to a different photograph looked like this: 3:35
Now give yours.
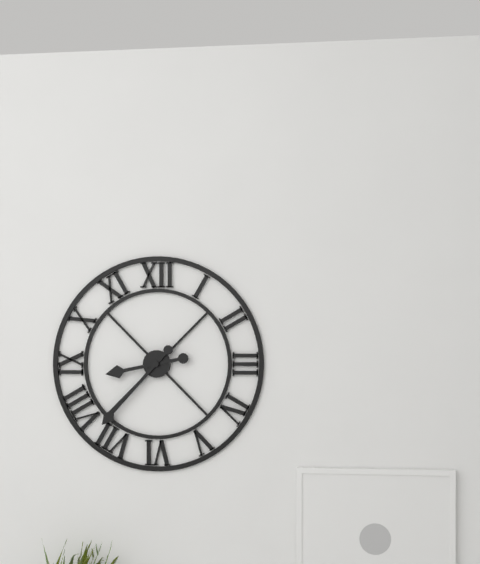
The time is 8:37
